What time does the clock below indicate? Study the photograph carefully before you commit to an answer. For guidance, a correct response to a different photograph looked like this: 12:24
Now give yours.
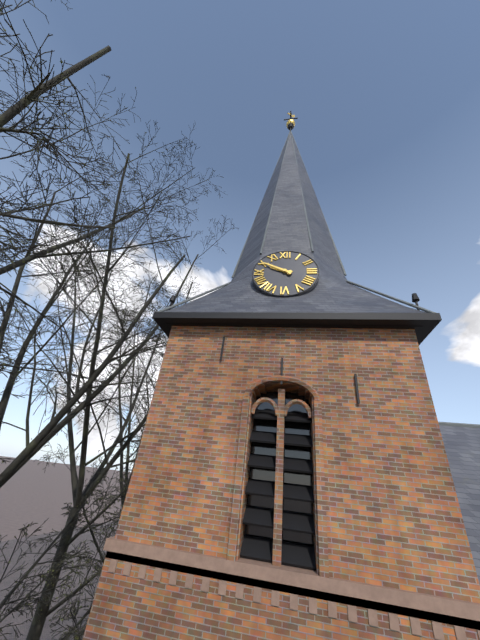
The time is 9:50
